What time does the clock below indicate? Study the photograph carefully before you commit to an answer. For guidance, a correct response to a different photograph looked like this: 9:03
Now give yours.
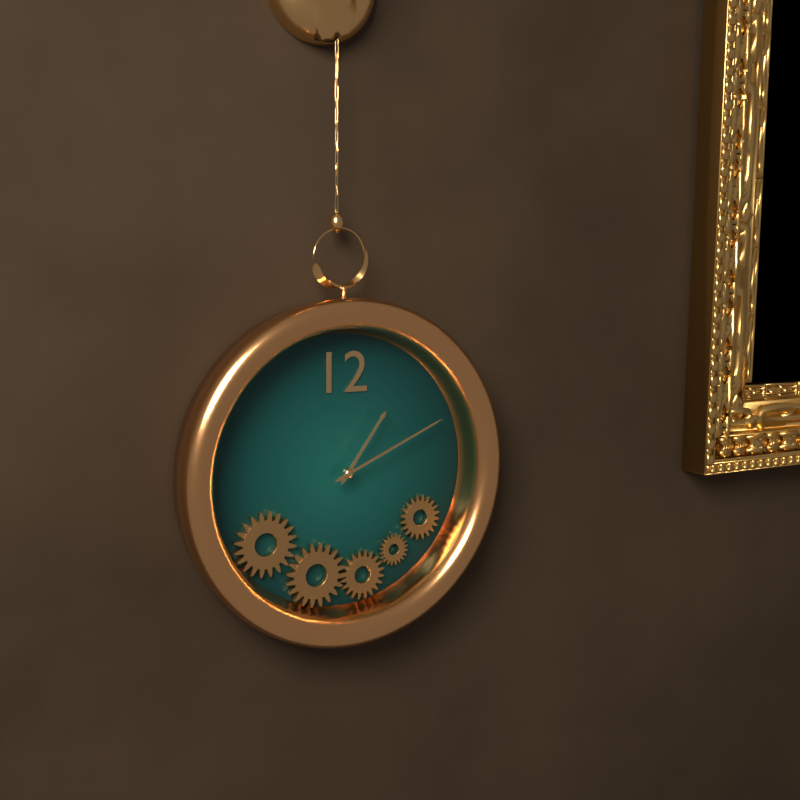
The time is 1:11
